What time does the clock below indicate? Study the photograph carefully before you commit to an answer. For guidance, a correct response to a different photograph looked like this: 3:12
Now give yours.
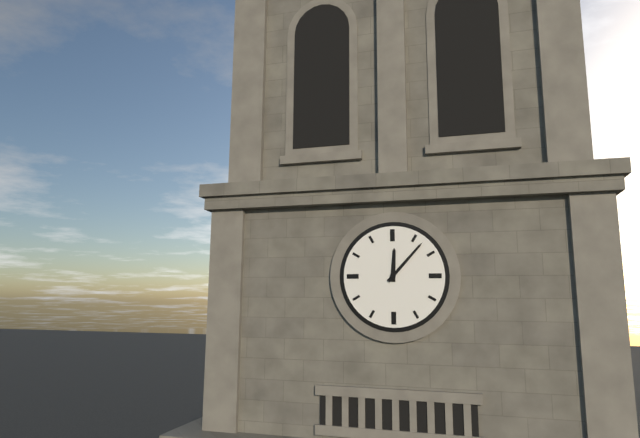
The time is 12:07
